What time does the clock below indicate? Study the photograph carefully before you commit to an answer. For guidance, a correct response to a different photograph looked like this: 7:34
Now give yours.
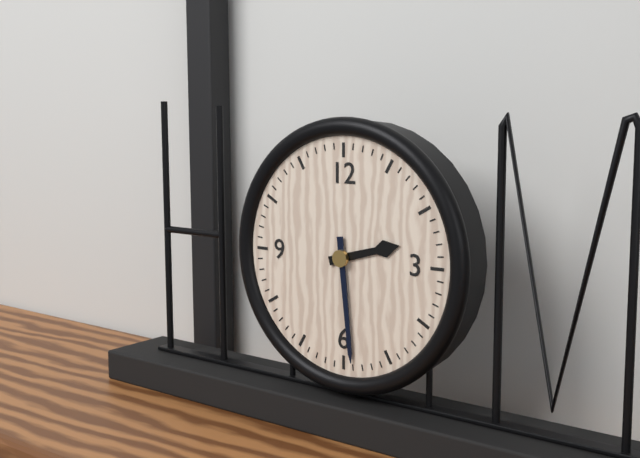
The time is 2:29
